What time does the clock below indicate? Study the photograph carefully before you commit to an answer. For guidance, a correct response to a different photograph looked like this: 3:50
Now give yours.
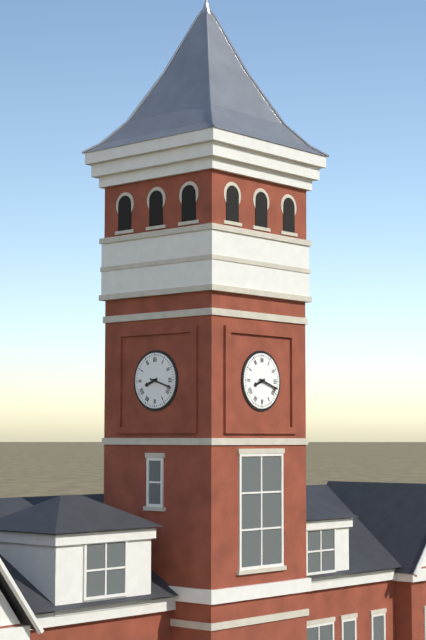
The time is 8:18
